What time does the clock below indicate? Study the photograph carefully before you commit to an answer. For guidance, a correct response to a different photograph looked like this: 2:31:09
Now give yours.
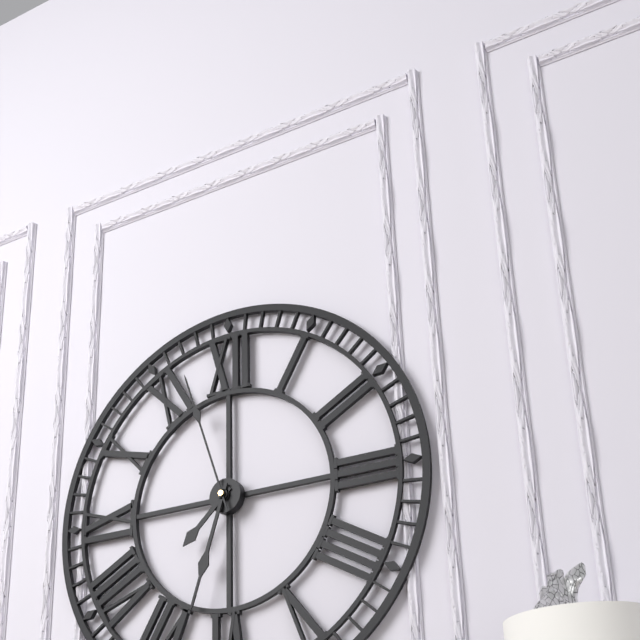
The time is 7:33:57
